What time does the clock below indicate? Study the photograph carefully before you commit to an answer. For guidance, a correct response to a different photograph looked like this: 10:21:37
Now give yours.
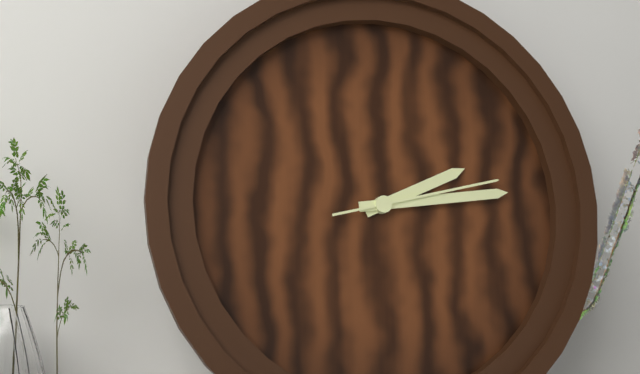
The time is 2:14:13
